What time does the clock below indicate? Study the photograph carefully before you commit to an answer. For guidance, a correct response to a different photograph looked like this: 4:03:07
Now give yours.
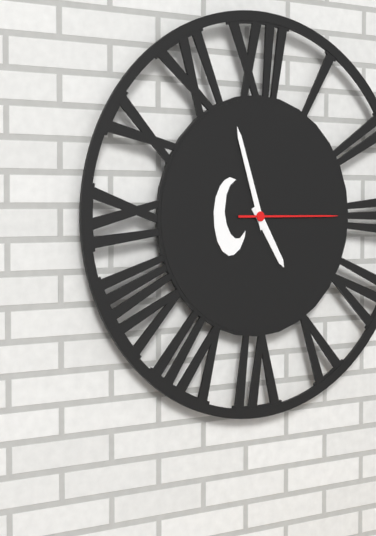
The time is 4:57:15
